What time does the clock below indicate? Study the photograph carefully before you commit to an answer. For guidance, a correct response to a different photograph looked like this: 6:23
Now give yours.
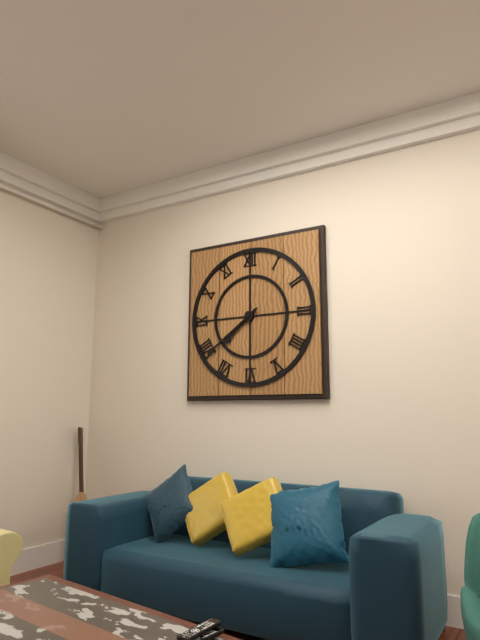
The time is 7:39
